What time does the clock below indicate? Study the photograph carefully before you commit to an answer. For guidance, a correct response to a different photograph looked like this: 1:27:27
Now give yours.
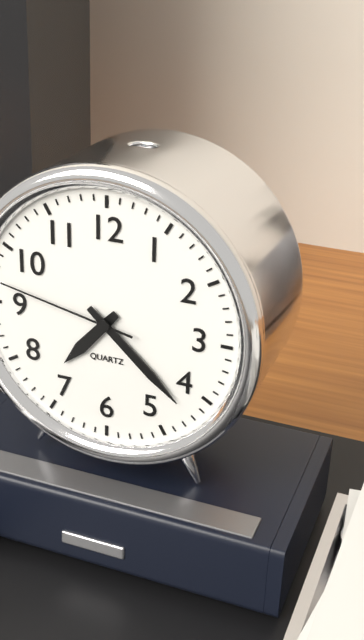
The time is 7:22:47
